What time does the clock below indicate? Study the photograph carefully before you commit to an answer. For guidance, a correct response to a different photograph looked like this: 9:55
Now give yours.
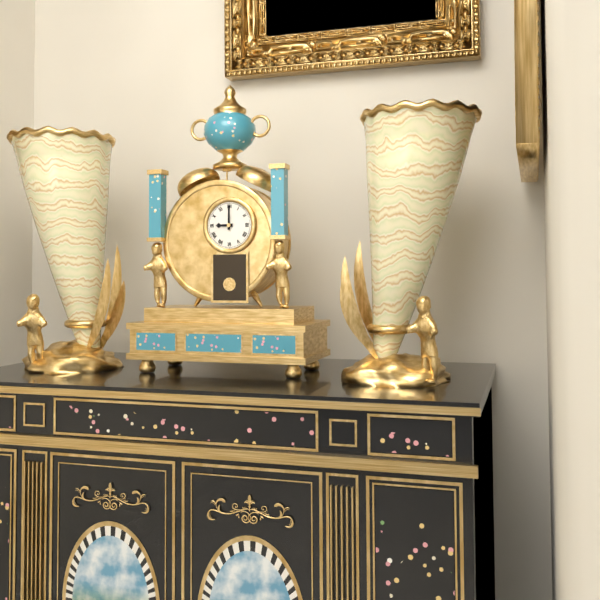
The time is 9:00
